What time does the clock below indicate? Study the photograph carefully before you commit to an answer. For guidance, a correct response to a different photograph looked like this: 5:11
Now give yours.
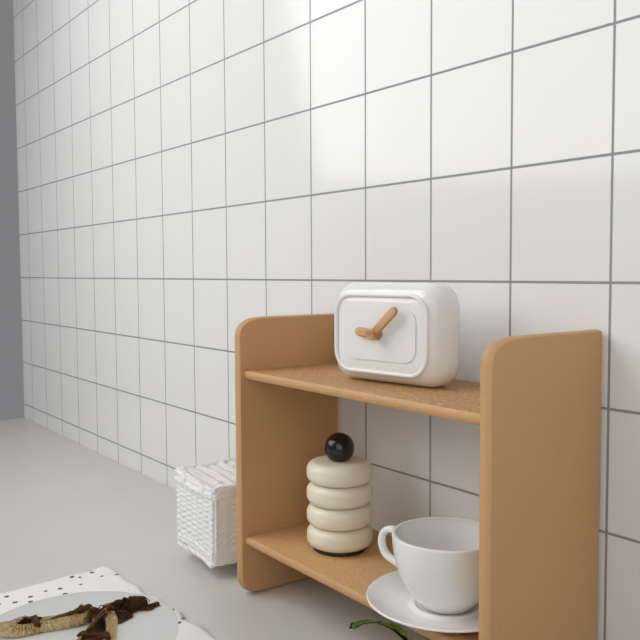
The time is 9:08
